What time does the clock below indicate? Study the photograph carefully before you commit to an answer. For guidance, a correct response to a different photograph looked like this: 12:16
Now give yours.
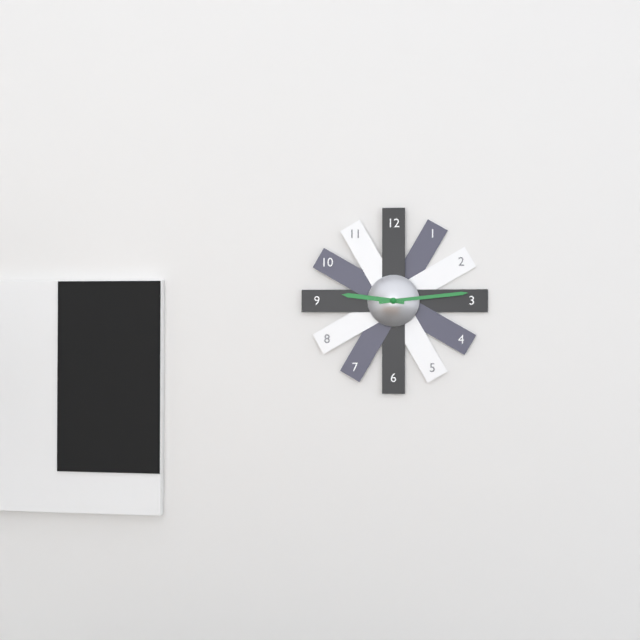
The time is 9:14
